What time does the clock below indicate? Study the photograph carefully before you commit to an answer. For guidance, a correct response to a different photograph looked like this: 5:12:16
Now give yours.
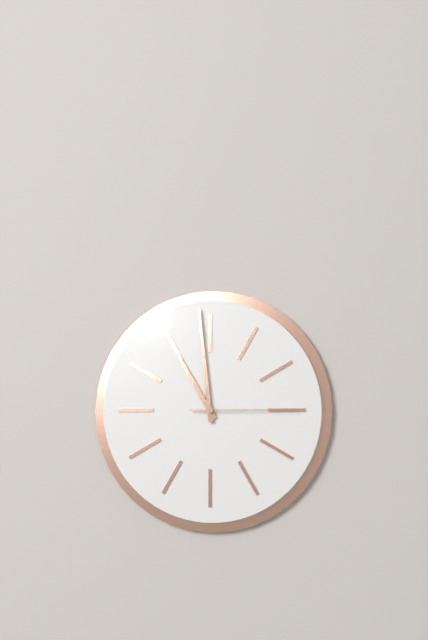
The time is 10:59:15
